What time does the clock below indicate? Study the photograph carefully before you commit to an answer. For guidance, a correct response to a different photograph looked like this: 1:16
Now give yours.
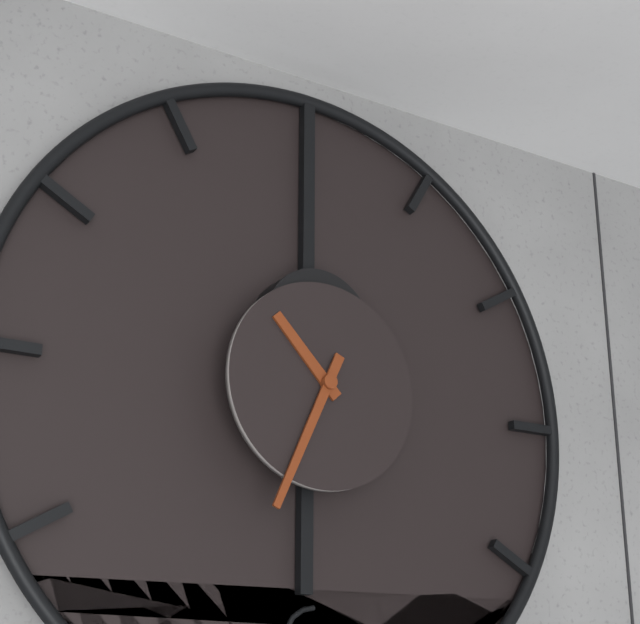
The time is 10:34
